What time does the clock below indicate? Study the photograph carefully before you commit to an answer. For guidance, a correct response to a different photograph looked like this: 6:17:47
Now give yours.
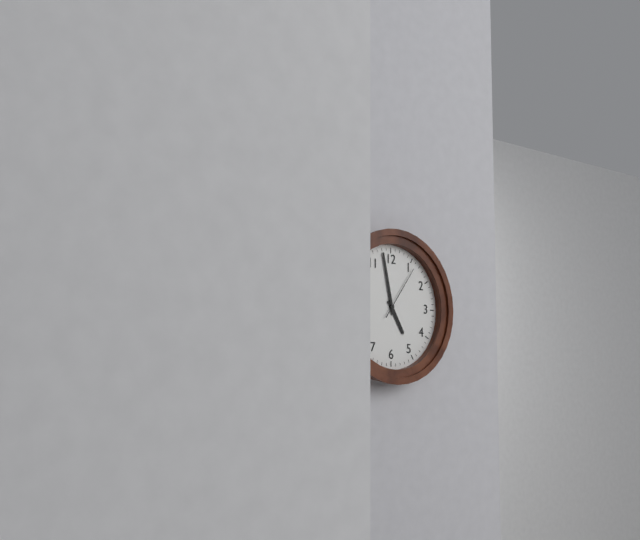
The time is 4:58:06
